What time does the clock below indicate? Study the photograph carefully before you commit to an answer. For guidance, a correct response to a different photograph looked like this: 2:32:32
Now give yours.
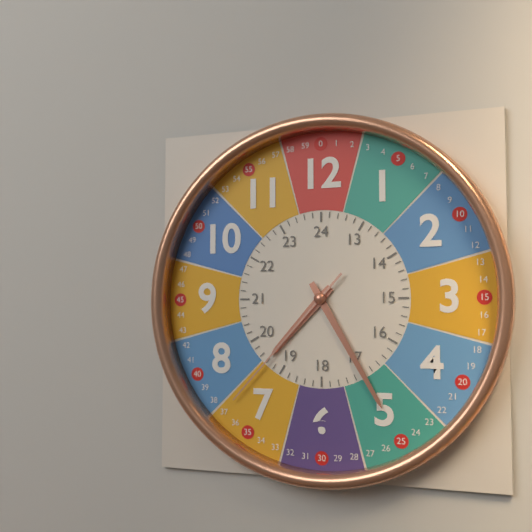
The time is 7:25:37
